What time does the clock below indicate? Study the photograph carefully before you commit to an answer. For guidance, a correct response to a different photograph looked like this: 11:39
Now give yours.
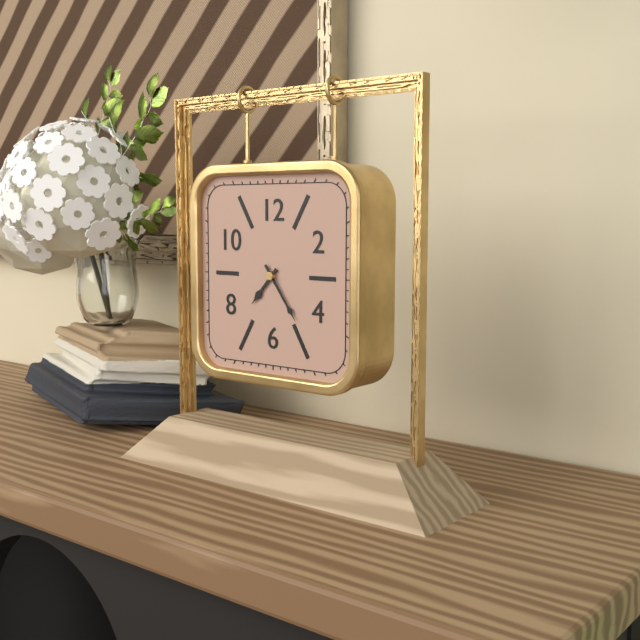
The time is 7:24
